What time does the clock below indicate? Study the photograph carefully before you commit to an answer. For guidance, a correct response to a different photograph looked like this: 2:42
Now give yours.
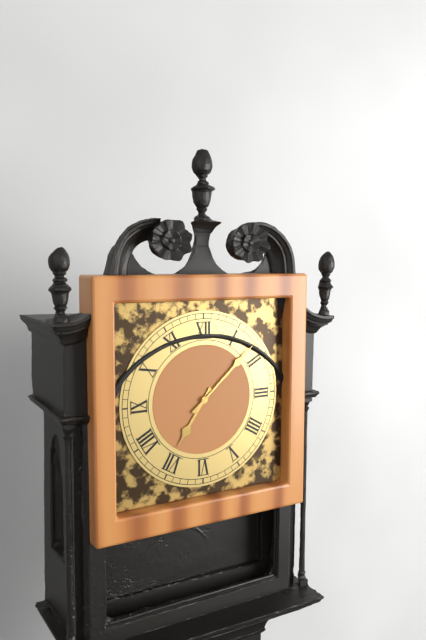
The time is 7:08
